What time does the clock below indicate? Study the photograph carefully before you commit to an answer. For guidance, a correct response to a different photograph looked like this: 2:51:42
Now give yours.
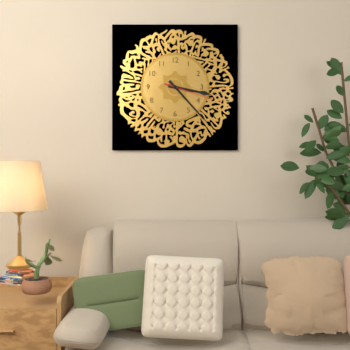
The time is 3:23:18
